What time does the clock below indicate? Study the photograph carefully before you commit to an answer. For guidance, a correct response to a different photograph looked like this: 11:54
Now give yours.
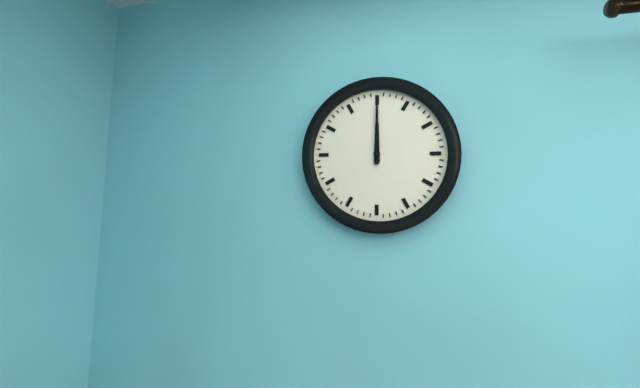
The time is 12:00
